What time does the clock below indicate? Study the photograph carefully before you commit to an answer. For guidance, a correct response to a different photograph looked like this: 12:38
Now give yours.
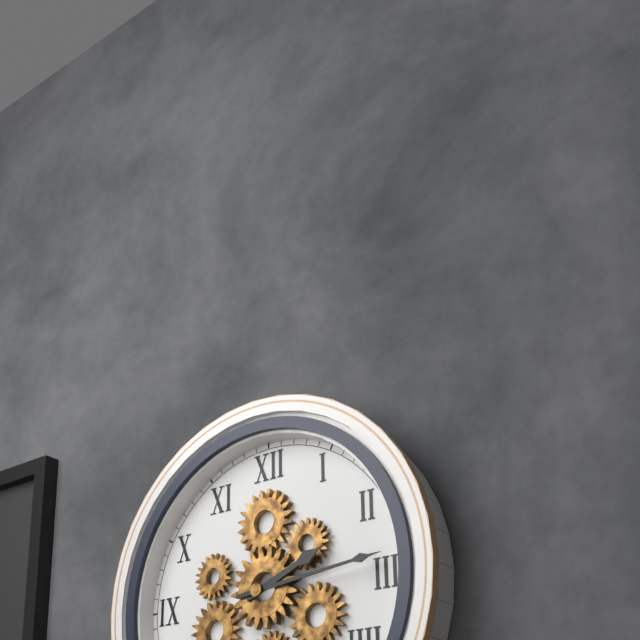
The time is 2:14
